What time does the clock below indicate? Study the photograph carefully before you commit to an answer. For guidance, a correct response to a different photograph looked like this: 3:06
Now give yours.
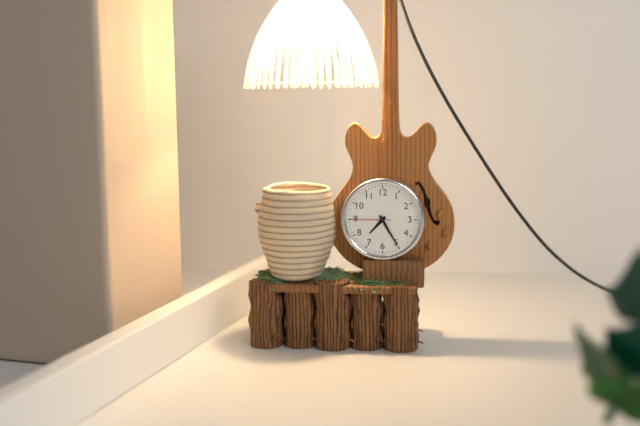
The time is 7:25
